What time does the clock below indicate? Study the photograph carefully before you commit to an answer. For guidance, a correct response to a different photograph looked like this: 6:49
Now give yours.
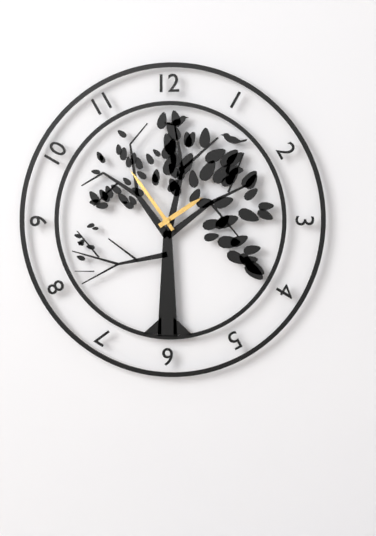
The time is 1:54
